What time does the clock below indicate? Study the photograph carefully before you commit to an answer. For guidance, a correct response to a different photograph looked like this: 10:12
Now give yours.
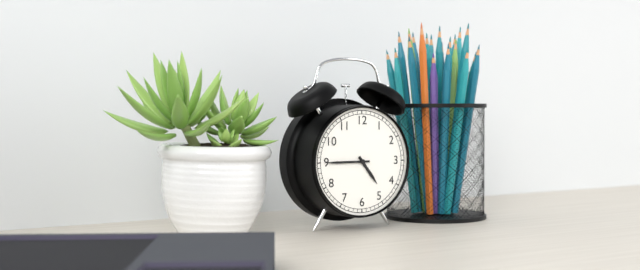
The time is 4:45
